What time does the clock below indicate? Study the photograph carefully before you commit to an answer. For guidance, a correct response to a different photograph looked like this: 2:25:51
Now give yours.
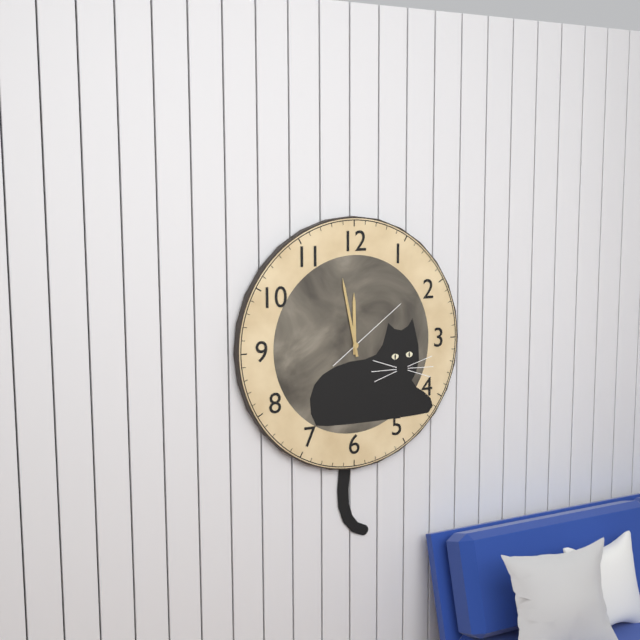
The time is 11:58:09
